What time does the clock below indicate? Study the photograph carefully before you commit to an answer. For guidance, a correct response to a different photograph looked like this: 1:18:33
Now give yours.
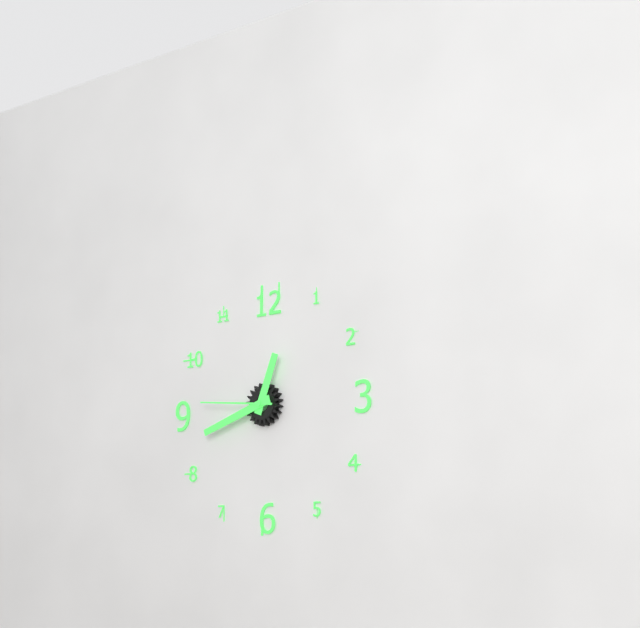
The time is 12:42:46
